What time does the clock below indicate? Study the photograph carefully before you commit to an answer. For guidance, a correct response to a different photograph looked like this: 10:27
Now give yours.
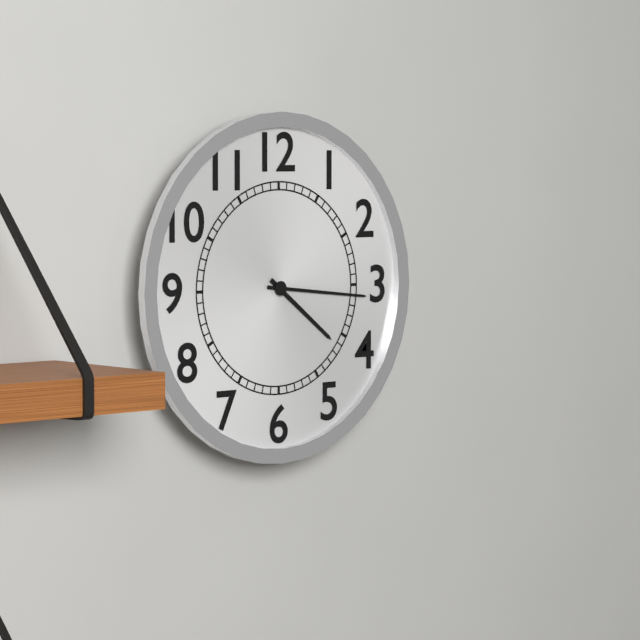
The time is 4:16
